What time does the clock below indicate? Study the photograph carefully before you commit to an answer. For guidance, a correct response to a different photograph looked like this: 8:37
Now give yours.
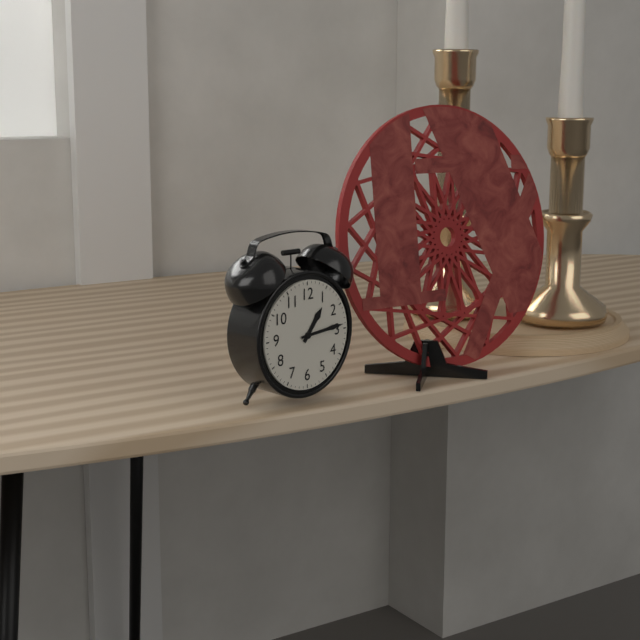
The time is 1:14
